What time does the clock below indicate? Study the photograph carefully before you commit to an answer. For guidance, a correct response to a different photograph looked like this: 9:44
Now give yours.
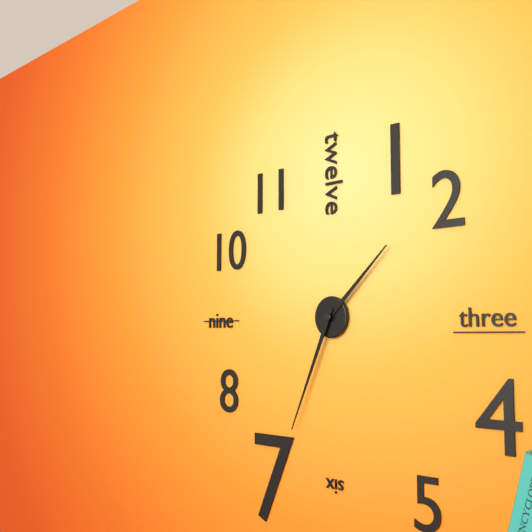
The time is 1:34
